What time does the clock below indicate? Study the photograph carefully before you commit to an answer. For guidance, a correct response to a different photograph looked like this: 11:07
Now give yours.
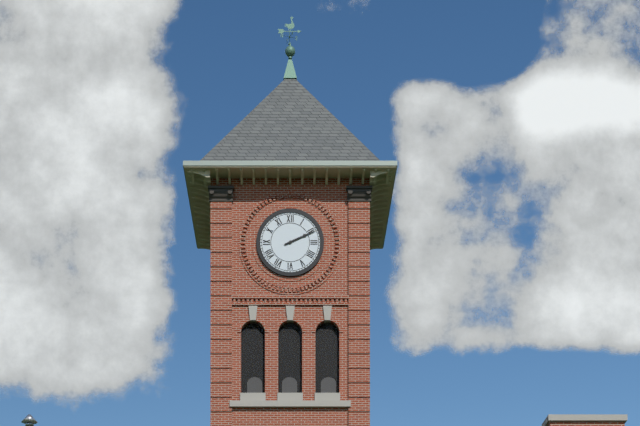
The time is 2:11
